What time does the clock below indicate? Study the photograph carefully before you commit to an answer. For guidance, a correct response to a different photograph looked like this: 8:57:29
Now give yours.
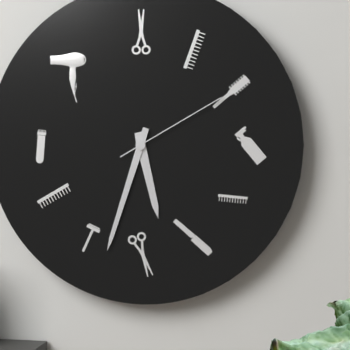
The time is 5:33:10
